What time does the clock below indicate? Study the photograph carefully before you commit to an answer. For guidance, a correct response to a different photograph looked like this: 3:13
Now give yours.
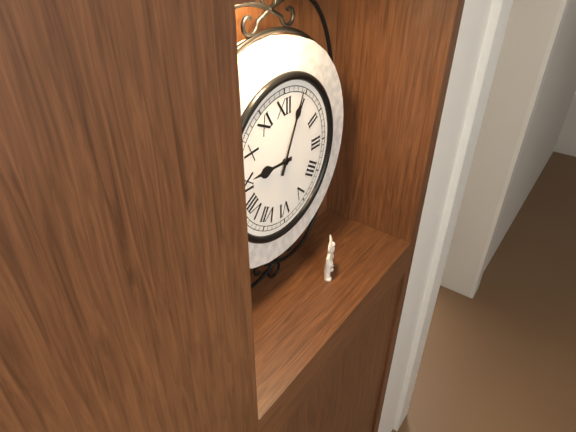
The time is 9:04
